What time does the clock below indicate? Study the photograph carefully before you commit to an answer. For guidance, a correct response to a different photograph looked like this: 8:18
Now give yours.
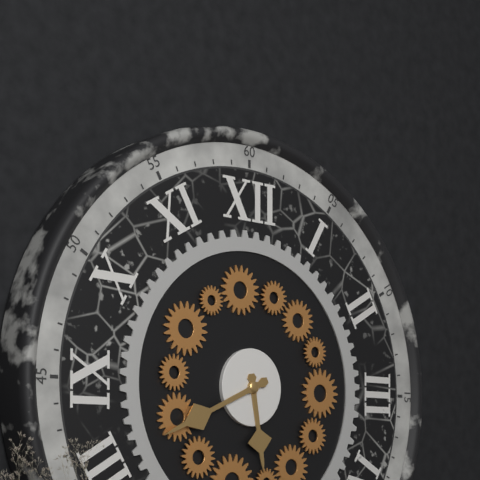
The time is 5:41
